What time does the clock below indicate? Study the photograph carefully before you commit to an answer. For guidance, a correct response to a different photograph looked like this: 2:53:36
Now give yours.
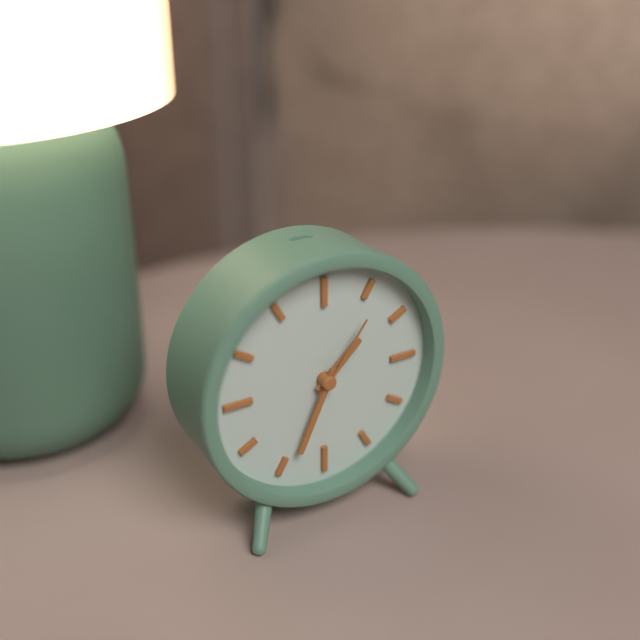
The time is 1:34:06
